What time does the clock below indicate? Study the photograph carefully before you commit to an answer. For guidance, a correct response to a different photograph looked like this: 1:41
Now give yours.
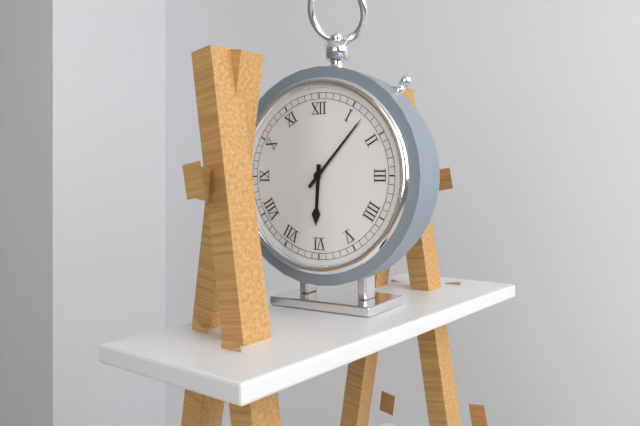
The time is 6:07
